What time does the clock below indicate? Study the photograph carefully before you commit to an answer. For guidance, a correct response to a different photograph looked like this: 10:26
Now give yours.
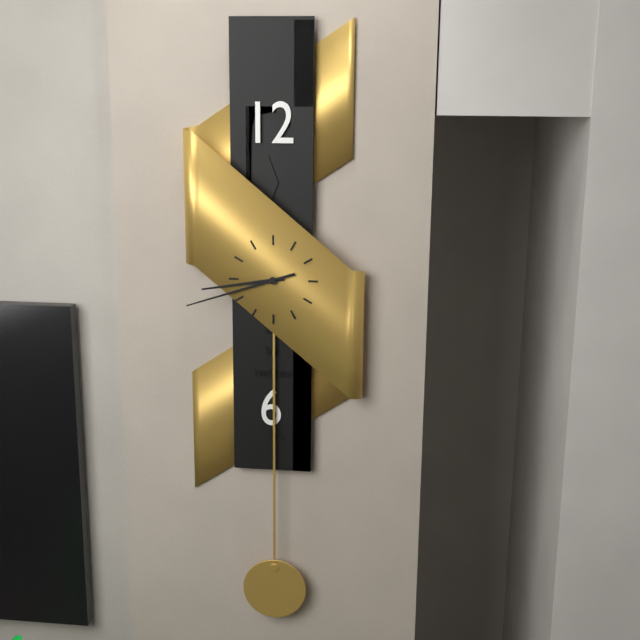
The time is 8:42
